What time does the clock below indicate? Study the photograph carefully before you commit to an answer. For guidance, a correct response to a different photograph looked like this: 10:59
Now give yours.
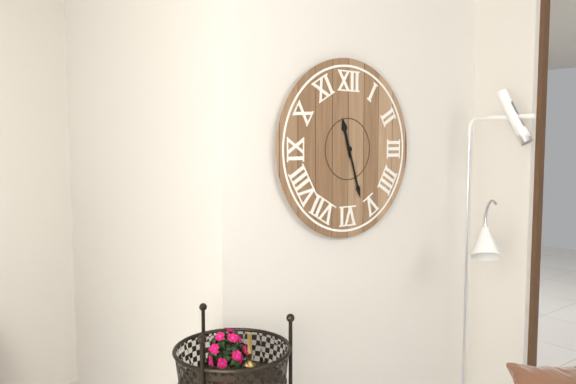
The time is 11:27
